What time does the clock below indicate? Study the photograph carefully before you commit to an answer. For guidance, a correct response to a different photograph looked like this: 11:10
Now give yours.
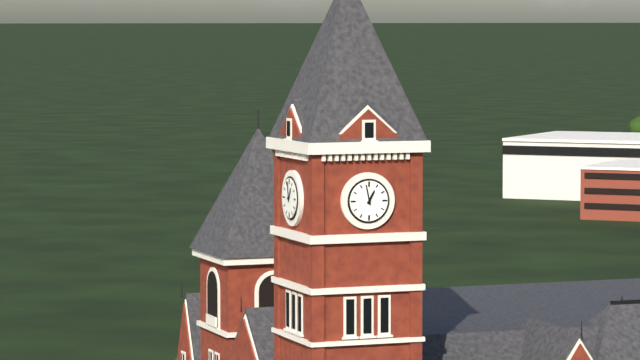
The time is 12:58
